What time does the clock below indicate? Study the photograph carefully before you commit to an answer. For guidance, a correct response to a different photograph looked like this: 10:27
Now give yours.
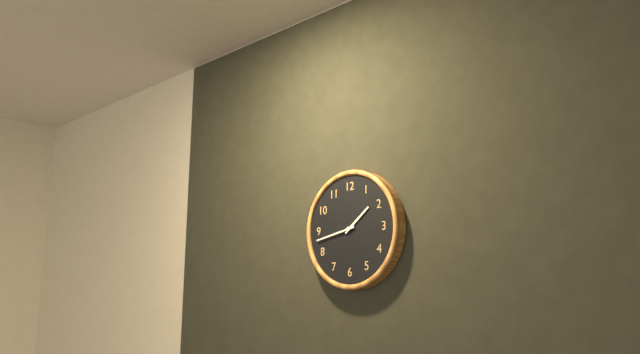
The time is 1:43
